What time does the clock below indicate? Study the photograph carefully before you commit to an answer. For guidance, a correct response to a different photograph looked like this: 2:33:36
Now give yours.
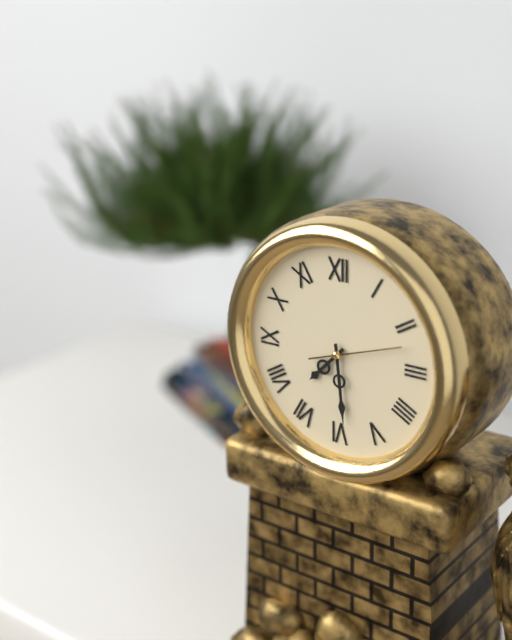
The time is 7:29:12
